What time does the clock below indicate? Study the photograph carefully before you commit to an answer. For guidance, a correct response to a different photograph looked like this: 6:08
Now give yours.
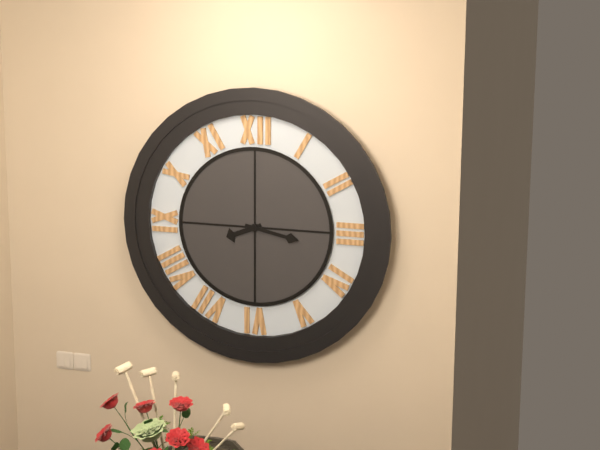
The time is 8:17
